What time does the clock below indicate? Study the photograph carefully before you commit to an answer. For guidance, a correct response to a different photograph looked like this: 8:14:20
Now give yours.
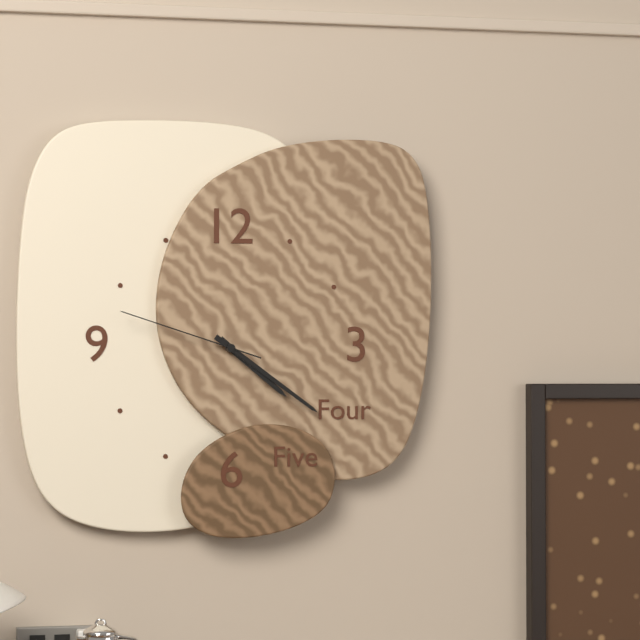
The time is 4:21:48
